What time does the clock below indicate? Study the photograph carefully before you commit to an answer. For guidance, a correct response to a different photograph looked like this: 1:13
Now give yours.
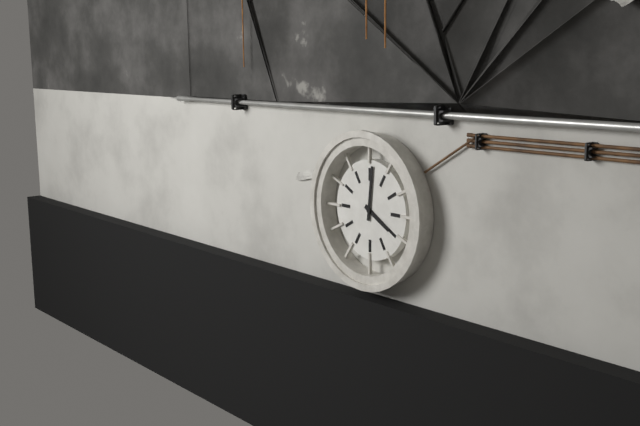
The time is 4:01
